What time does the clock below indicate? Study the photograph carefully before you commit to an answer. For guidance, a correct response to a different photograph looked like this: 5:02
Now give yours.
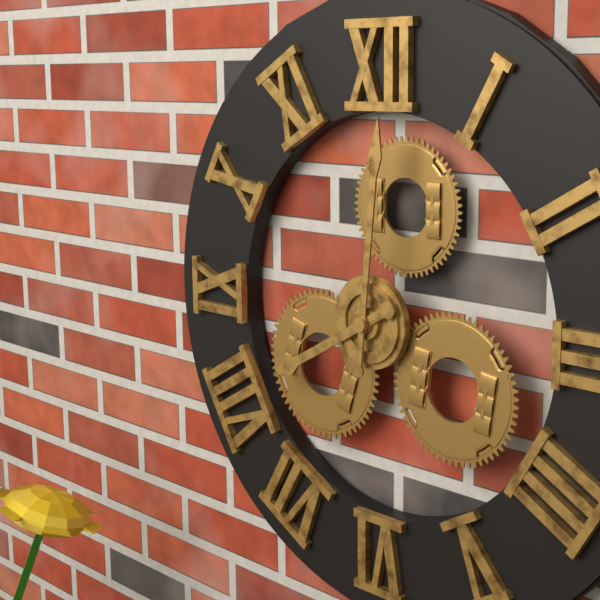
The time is 8:01
